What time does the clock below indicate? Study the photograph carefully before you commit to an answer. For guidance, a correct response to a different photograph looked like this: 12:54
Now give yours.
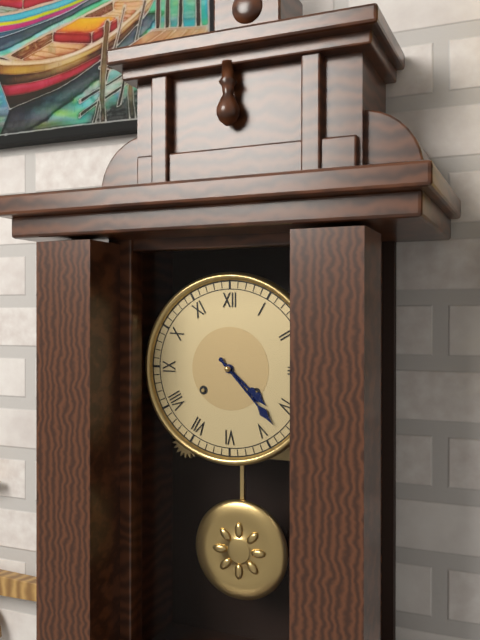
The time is 4:23
